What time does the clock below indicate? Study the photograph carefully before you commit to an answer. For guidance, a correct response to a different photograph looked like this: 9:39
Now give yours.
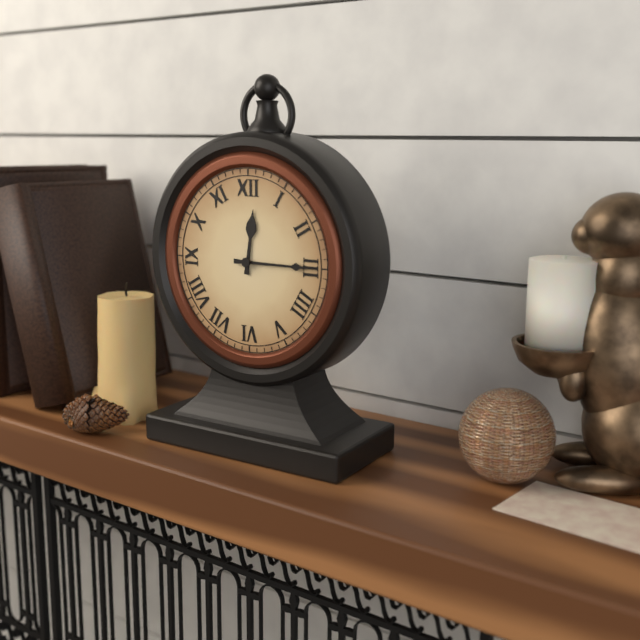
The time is 12:15
